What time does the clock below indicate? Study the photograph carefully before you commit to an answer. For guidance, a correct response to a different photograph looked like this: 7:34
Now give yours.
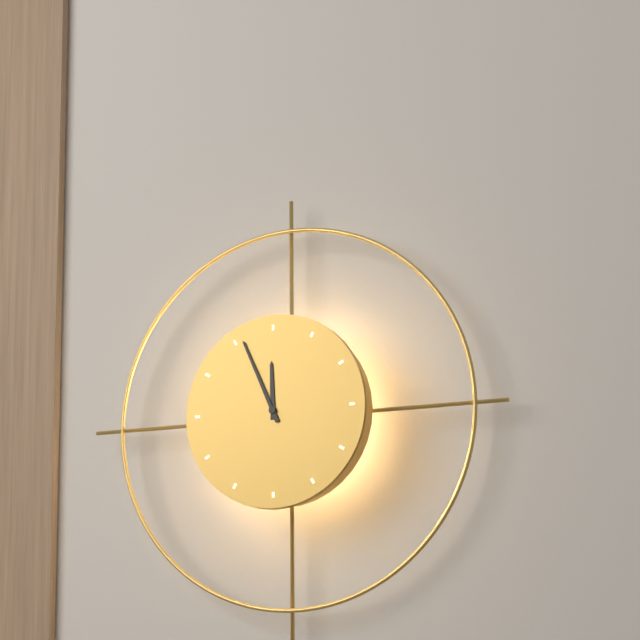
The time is 11:56
